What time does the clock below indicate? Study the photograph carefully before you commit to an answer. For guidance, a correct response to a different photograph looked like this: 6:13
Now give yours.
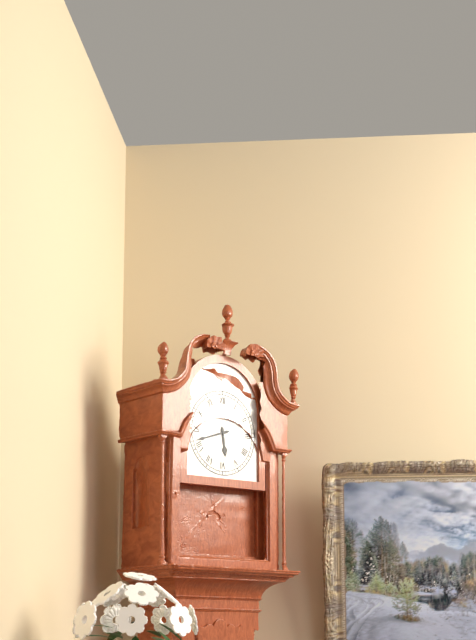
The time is 5:42
